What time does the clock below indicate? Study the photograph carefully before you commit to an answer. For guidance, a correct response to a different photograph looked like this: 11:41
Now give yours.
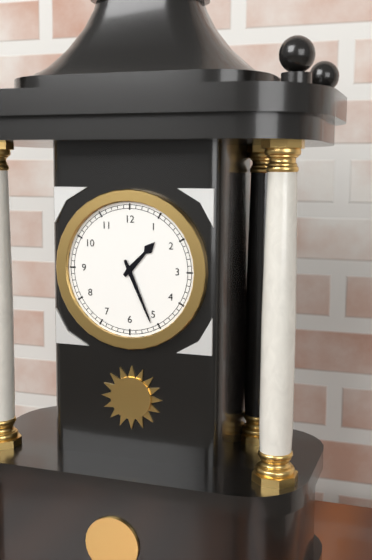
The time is 1:26
